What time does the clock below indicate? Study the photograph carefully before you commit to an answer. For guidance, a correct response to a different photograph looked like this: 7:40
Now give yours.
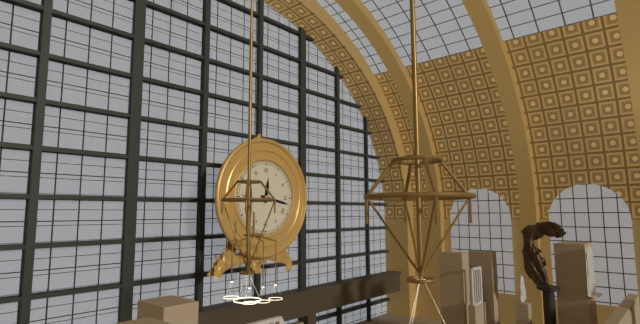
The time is 12:17
